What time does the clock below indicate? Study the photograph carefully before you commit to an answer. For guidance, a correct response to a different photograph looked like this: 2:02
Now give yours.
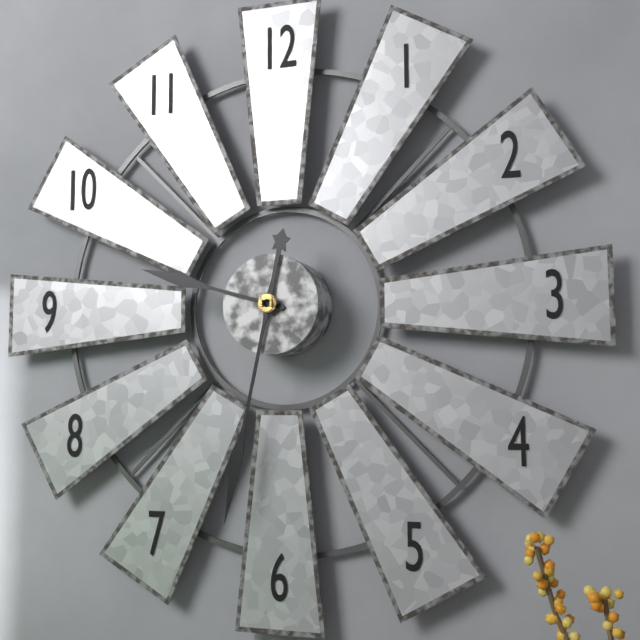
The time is 9:32
